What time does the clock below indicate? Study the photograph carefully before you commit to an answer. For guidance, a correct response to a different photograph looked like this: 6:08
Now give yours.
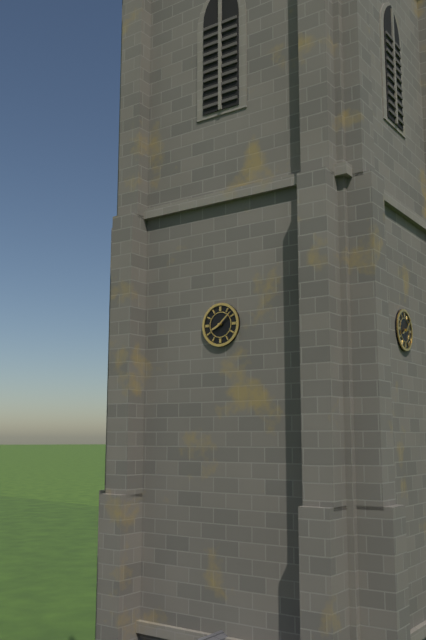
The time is 8:08
